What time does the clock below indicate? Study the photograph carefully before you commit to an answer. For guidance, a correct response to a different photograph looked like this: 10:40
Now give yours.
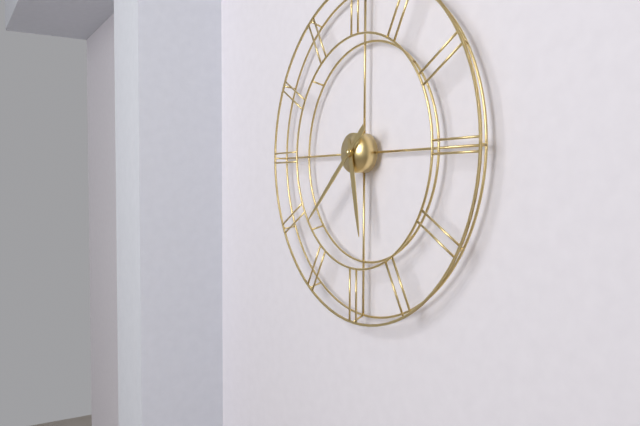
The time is 5:38
